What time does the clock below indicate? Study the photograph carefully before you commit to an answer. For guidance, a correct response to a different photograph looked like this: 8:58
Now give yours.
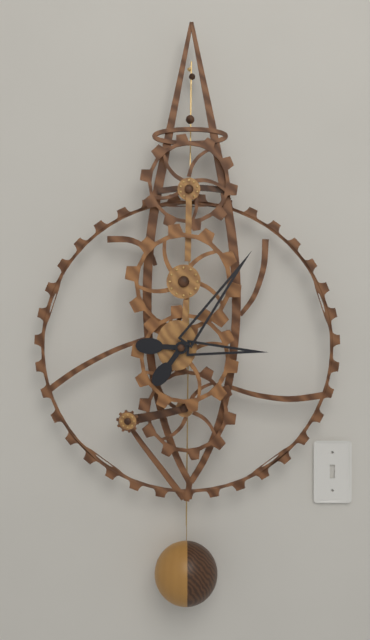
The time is 3:06
